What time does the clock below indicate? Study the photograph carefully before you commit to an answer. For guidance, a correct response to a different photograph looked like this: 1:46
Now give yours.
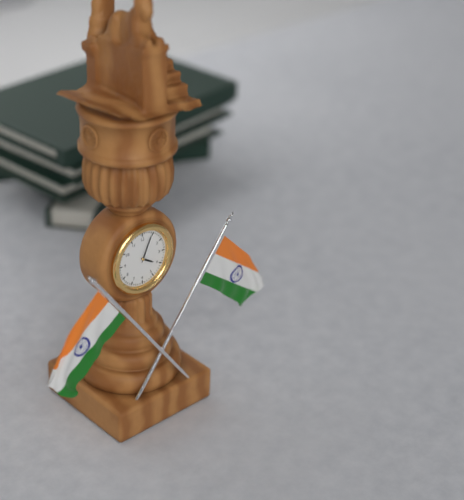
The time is 4:04
